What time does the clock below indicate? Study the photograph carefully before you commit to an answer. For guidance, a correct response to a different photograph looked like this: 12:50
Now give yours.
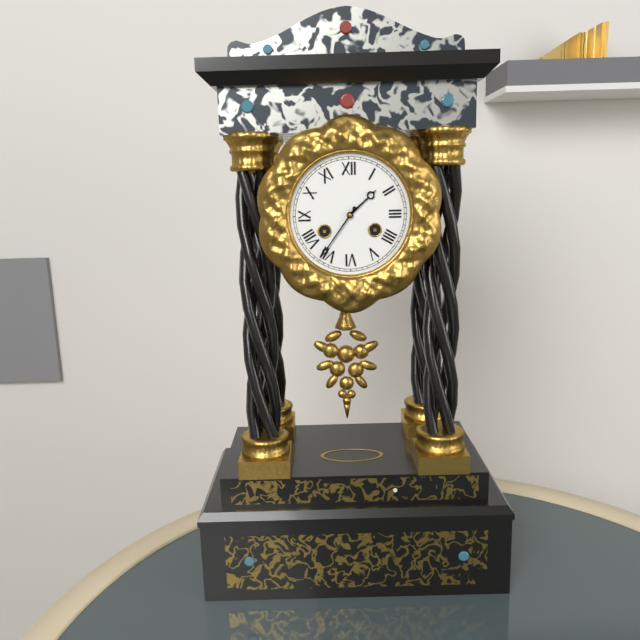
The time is 1:36
